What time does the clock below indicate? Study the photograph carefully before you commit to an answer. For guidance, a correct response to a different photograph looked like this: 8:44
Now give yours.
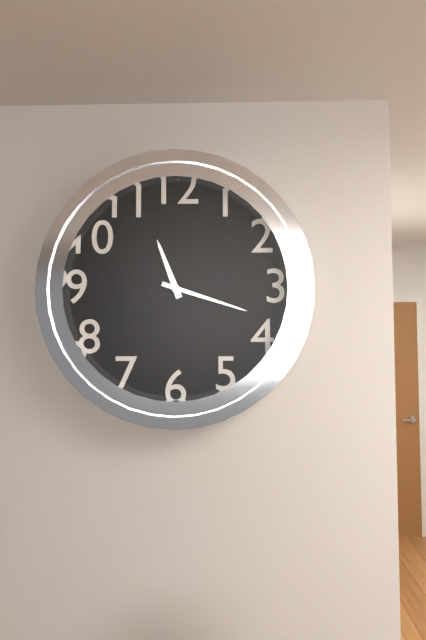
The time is 11:18
